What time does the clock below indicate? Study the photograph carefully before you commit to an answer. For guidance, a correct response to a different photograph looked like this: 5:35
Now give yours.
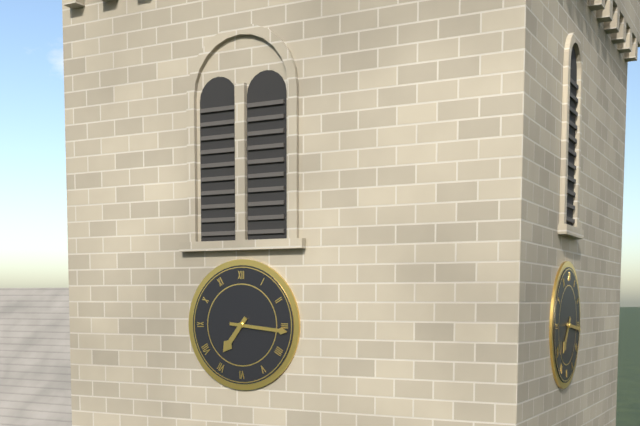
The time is 7:16
